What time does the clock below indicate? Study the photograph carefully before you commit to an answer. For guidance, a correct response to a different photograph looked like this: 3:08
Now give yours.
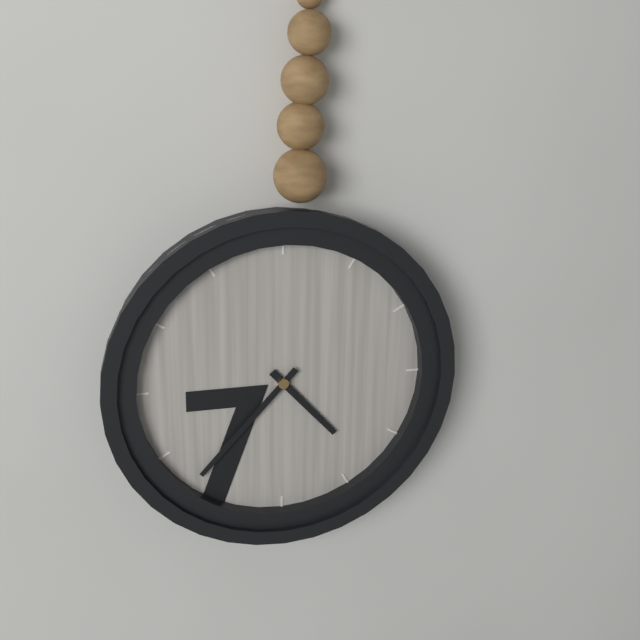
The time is 4:37
